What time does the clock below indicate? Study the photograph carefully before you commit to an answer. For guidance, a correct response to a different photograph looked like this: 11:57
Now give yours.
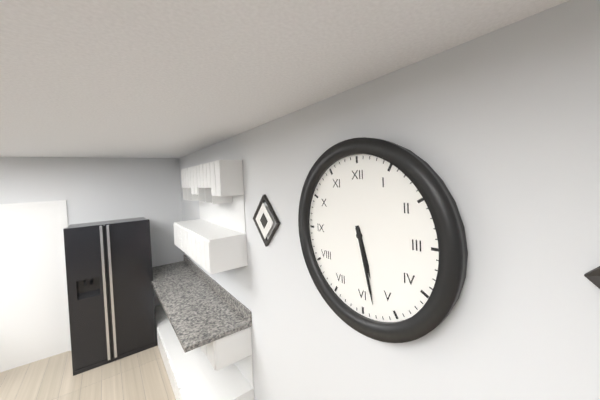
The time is 5:28
